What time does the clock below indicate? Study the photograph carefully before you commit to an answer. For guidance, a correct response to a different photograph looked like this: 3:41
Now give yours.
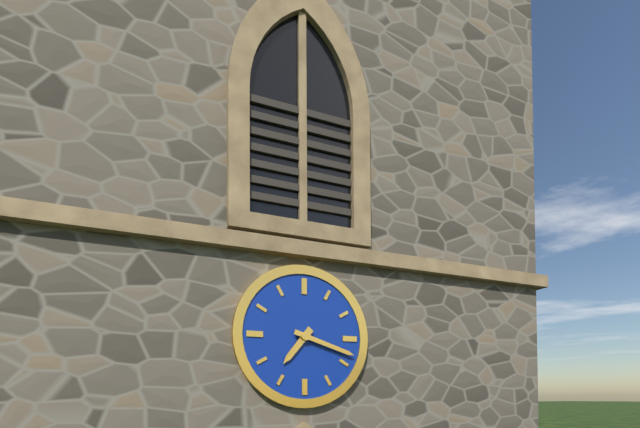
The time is 7:18
